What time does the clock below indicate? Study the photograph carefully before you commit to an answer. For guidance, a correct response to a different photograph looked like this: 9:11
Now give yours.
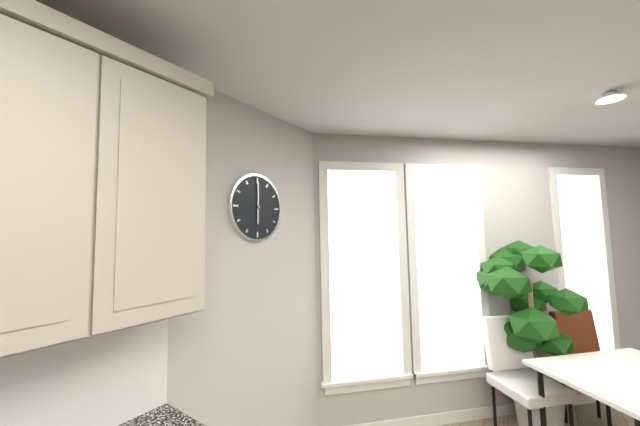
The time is 6:00
